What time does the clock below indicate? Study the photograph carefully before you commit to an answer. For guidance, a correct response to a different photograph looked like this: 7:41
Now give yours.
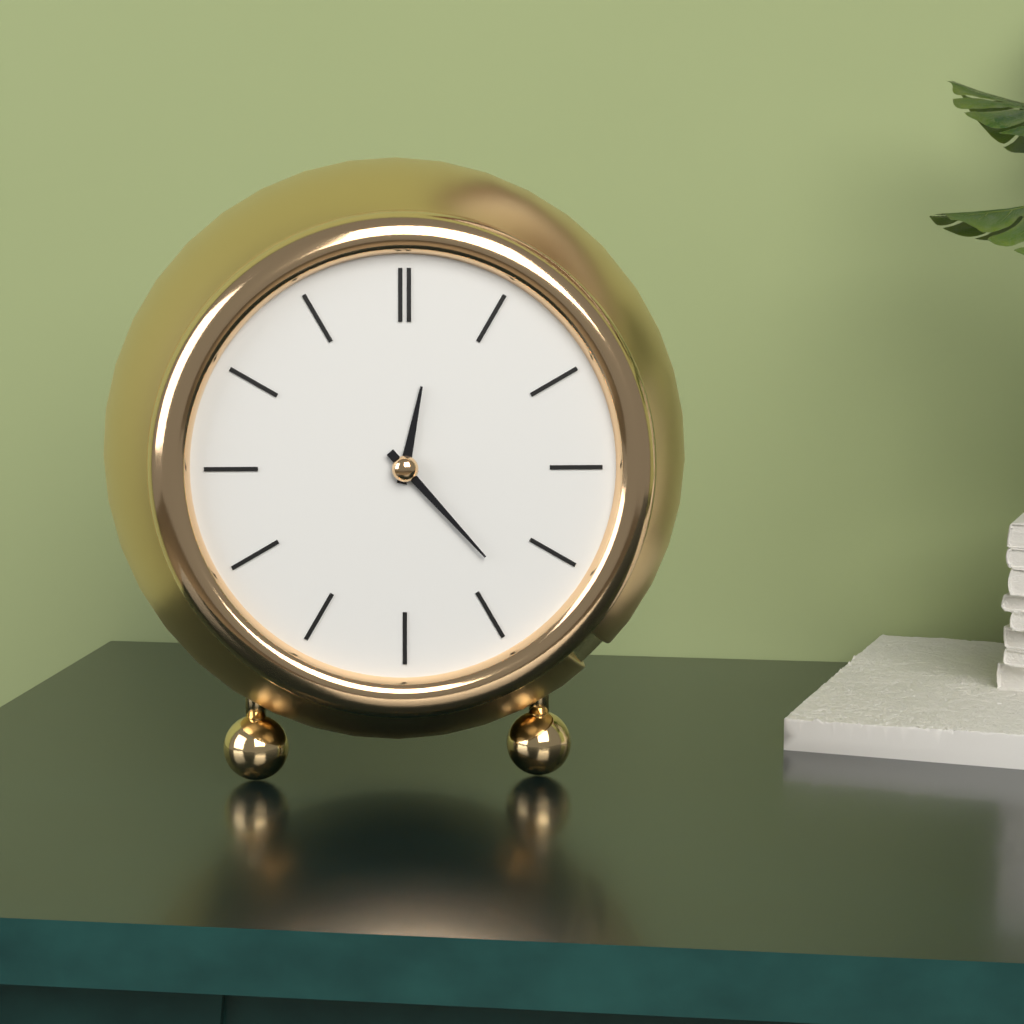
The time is 12:23
